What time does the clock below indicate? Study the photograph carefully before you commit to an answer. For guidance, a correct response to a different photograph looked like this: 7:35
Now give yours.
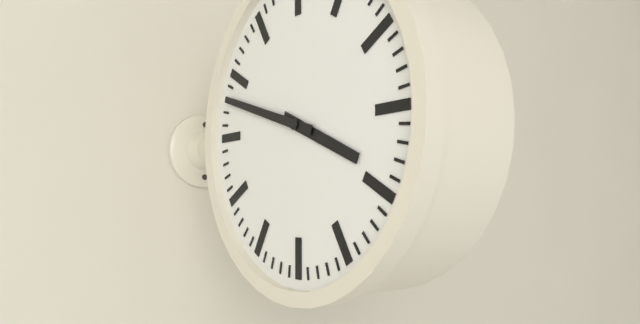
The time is 3:48
